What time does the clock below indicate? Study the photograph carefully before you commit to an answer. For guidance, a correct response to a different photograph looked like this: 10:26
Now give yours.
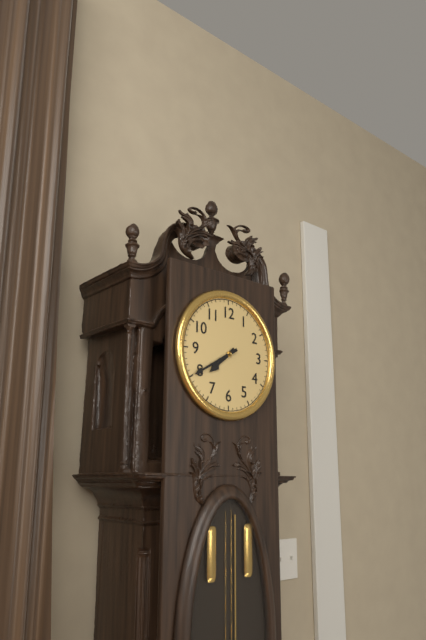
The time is 7:40
